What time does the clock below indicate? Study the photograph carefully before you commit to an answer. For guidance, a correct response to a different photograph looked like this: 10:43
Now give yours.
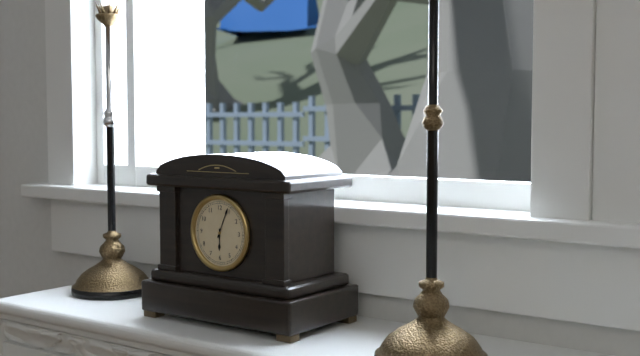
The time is 6:04
